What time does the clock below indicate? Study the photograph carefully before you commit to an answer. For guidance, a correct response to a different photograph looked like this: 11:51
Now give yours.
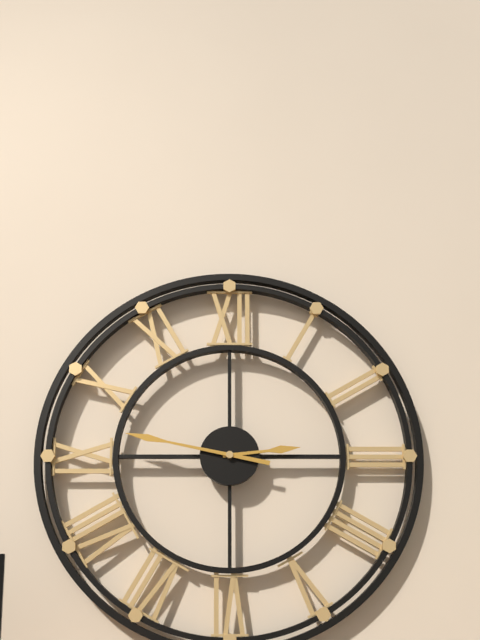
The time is 2:47
